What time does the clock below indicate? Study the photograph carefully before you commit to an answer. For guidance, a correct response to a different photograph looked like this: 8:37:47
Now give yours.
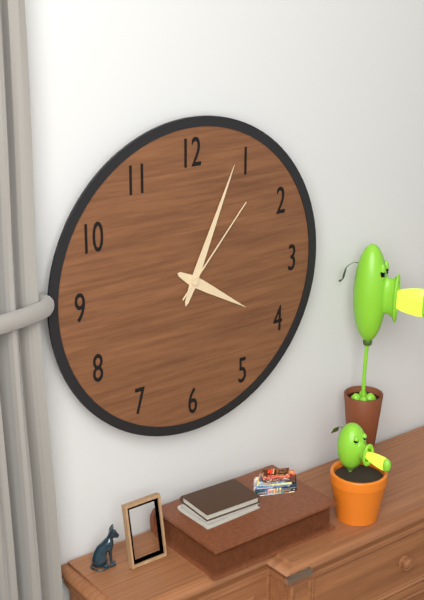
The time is 4:04:07
